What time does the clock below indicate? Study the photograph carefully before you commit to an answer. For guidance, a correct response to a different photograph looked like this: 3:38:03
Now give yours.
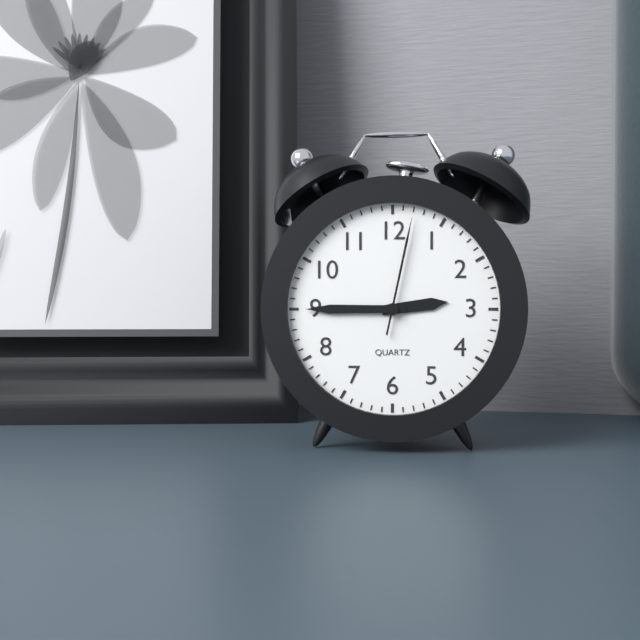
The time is 2:45:02
